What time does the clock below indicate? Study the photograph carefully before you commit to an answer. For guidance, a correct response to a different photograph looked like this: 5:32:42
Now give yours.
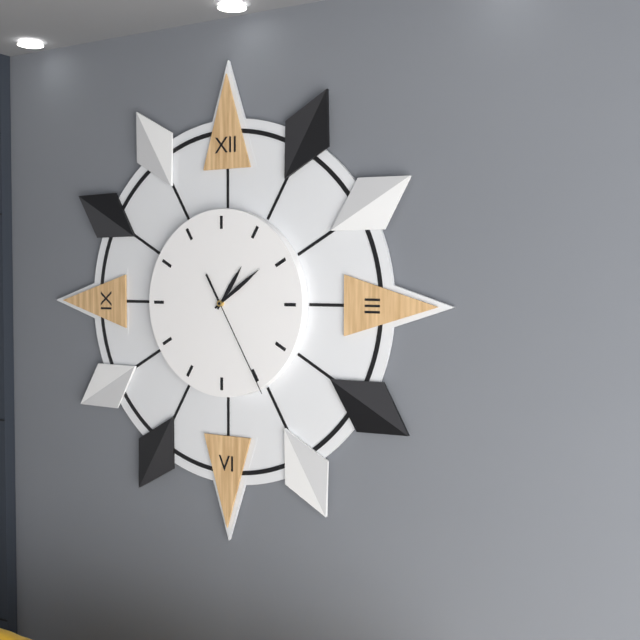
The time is 1:09:25
